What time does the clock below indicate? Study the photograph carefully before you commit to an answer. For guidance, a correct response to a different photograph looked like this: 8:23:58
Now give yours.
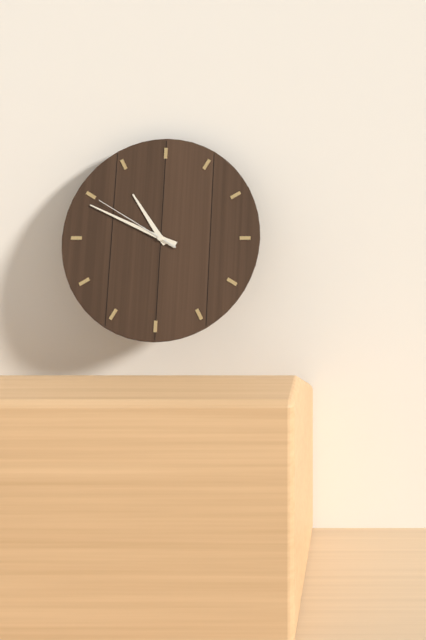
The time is 10:49:50
